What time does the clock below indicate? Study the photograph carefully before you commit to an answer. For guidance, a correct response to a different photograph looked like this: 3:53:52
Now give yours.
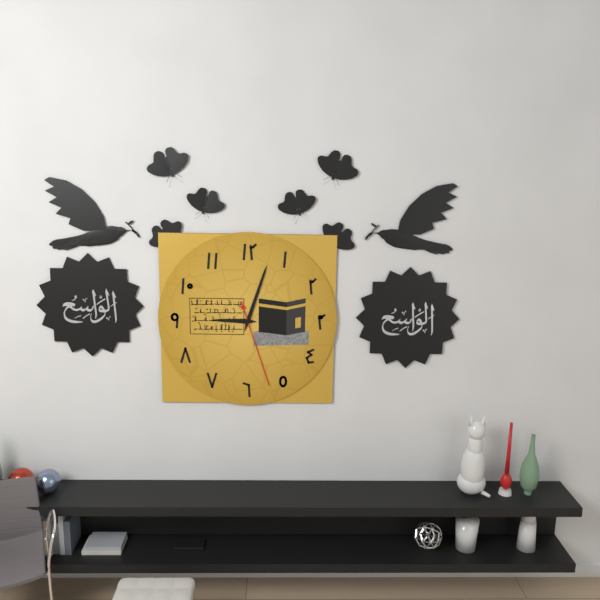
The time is 9:03:27
